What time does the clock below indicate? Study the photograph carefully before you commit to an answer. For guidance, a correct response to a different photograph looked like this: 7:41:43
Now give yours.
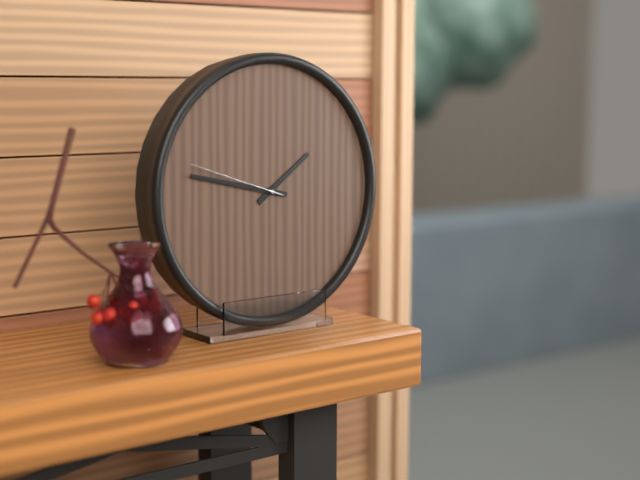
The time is 1:47:48
